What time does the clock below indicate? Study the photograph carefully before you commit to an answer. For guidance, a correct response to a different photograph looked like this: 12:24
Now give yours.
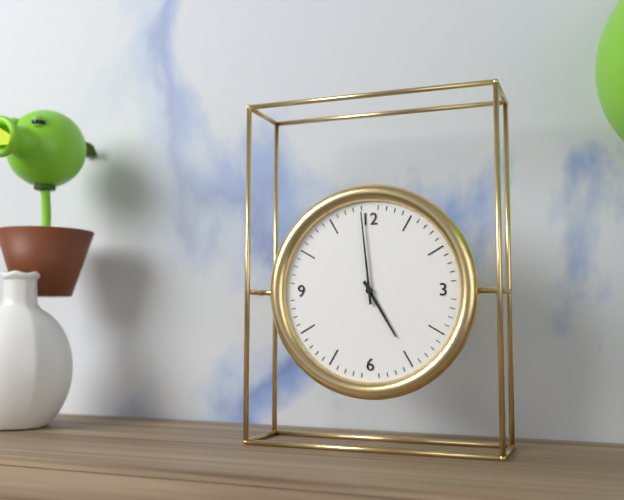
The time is 4:59
